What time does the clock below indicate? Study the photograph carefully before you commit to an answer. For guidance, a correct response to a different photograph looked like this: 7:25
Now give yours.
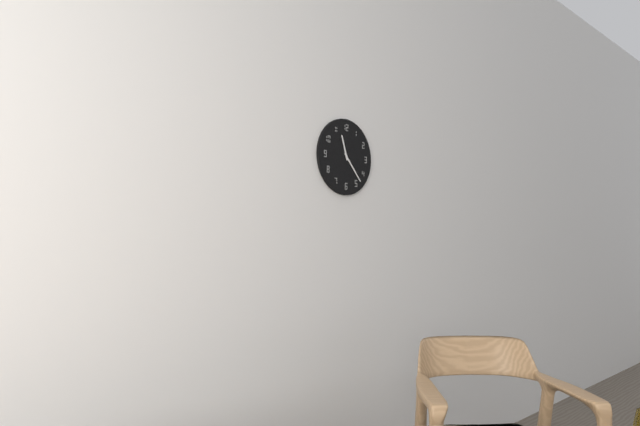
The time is 11:23
